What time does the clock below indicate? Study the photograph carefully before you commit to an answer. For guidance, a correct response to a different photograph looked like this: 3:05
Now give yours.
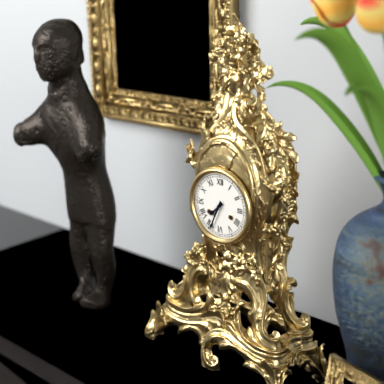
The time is 7:34
